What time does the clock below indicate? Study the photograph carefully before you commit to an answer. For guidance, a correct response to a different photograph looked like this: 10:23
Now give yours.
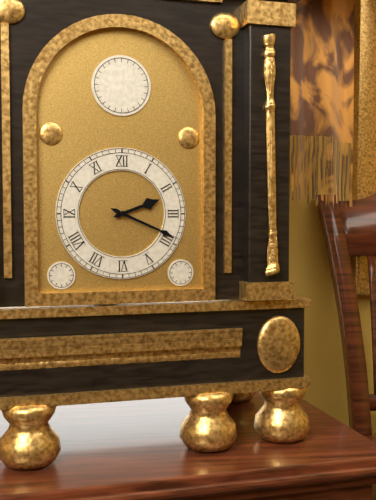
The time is 2:19
